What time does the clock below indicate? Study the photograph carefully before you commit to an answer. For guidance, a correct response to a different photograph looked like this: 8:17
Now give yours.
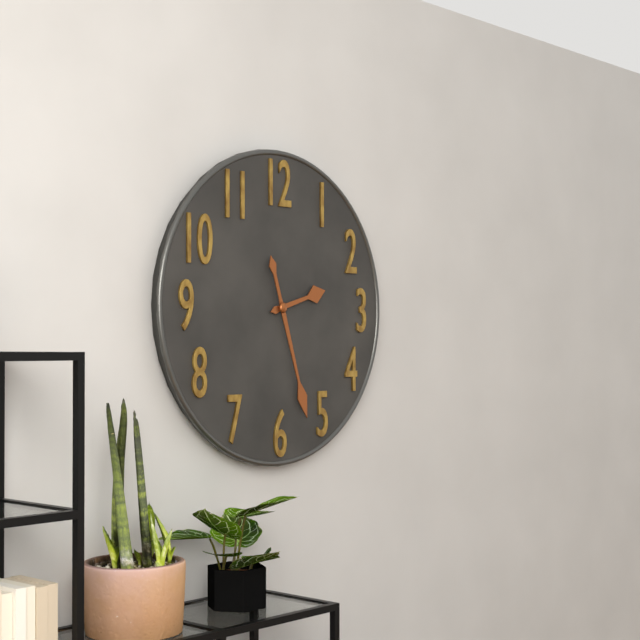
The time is 2:27
